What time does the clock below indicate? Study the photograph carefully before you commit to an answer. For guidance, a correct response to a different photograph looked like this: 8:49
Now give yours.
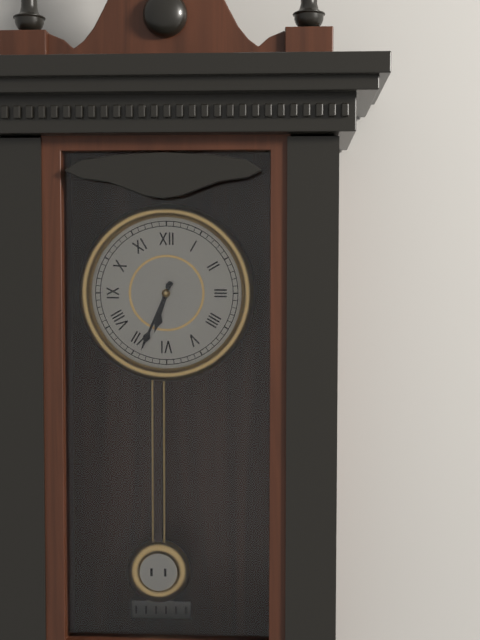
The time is 6:34
